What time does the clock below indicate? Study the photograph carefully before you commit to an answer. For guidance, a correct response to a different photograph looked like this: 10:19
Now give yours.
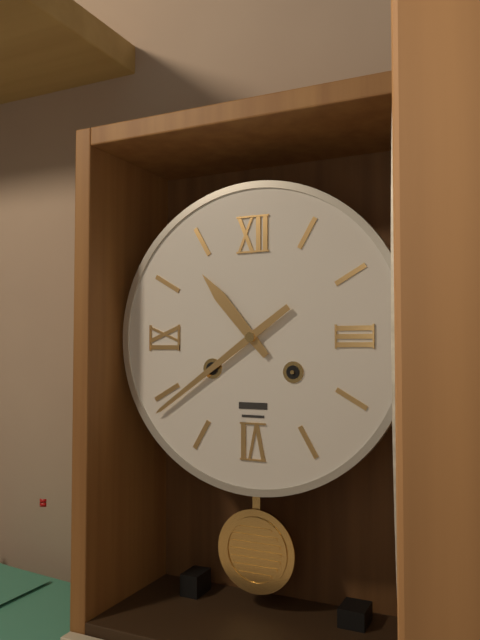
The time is 10:39
